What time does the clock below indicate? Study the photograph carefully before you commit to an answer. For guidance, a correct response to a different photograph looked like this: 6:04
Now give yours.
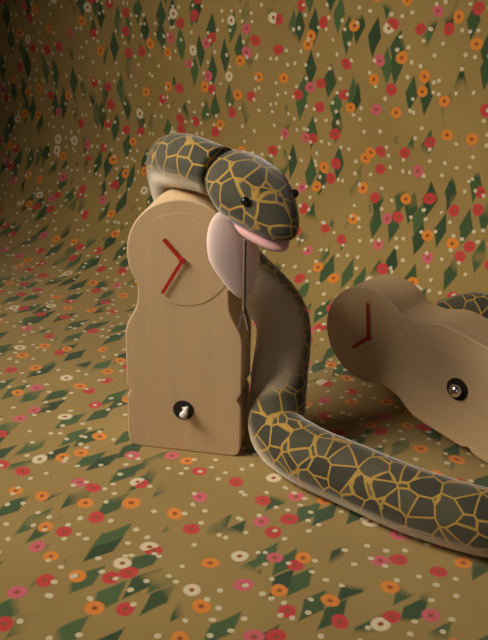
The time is 10:35
